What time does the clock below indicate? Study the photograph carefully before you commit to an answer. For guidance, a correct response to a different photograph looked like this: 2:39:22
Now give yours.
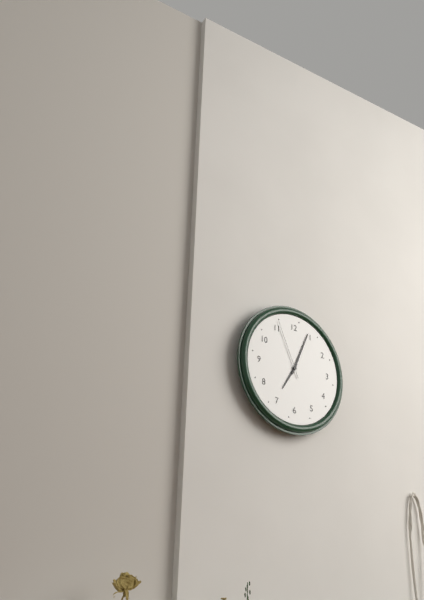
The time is 7:04:56
